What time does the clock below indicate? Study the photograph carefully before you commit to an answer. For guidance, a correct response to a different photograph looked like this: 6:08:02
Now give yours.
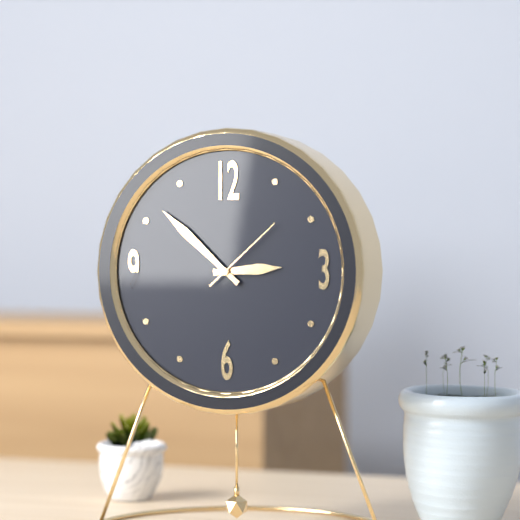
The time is 2:52:08
